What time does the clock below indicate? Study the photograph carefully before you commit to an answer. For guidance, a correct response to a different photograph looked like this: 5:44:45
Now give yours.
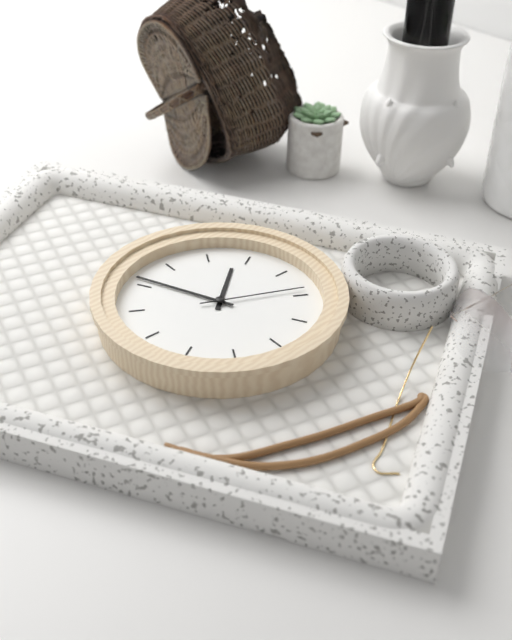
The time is 10:41:04
